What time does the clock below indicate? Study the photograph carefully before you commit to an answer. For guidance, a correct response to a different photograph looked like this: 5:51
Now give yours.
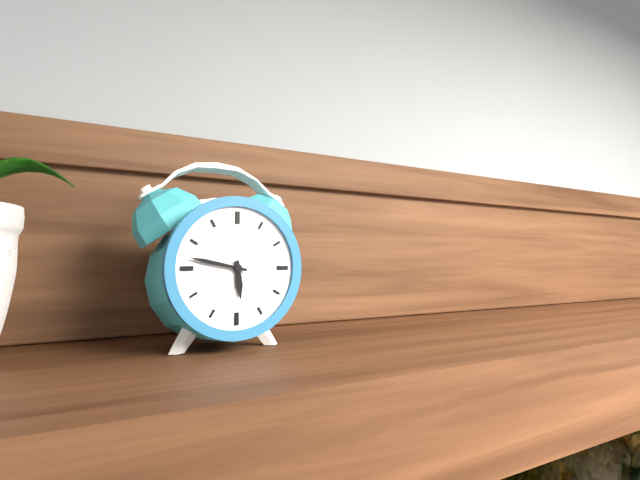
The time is 5:47
